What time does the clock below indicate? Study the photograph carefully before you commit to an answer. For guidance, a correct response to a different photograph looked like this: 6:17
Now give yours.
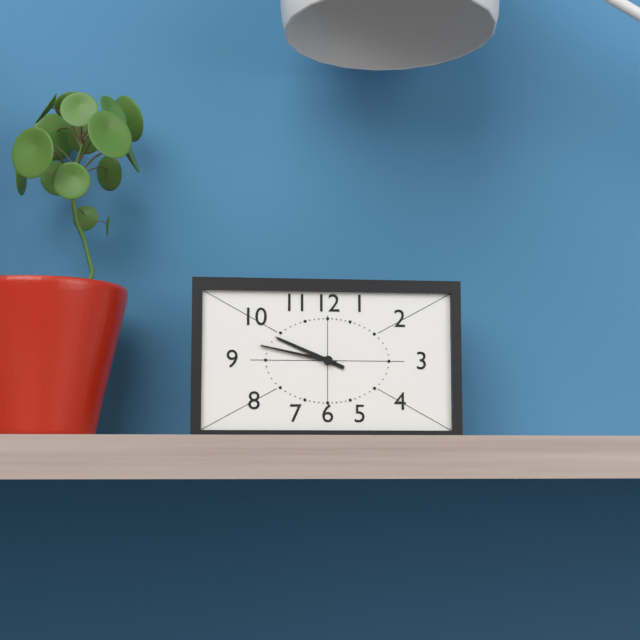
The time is 9:47
